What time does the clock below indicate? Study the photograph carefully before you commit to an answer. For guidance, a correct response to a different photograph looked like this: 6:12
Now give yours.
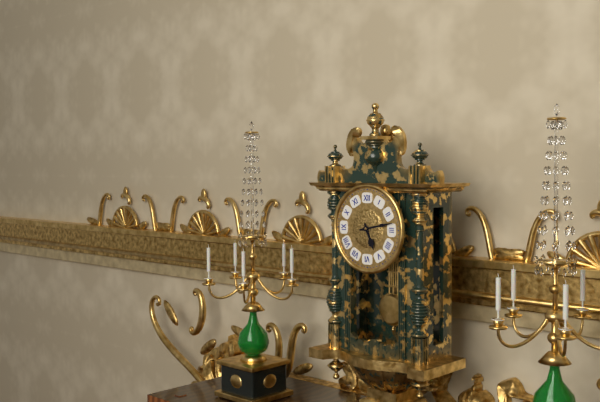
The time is 5:13
